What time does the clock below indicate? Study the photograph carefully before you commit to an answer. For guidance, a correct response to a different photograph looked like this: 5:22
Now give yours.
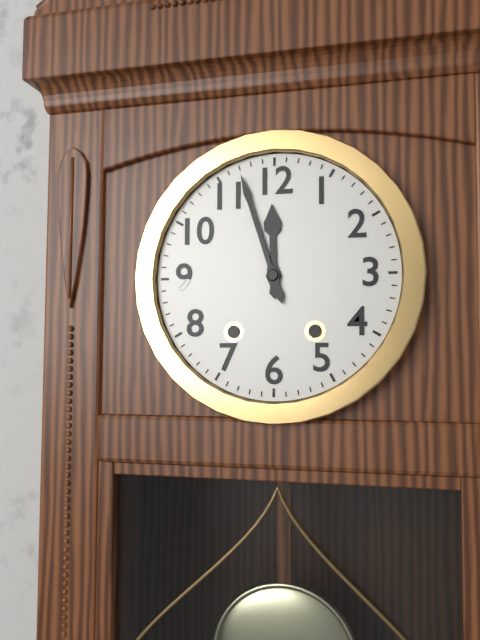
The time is 11:57
